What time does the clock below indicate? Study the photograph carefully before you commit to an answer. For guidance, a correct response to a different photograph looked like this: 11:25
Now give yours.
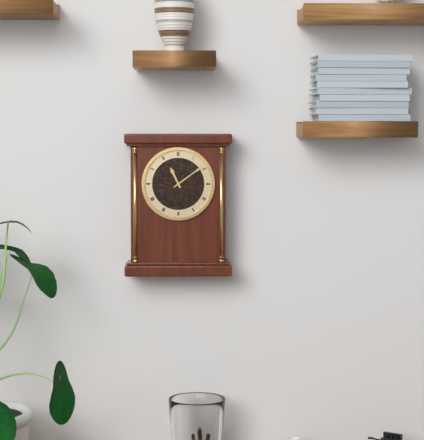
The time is 11:09
